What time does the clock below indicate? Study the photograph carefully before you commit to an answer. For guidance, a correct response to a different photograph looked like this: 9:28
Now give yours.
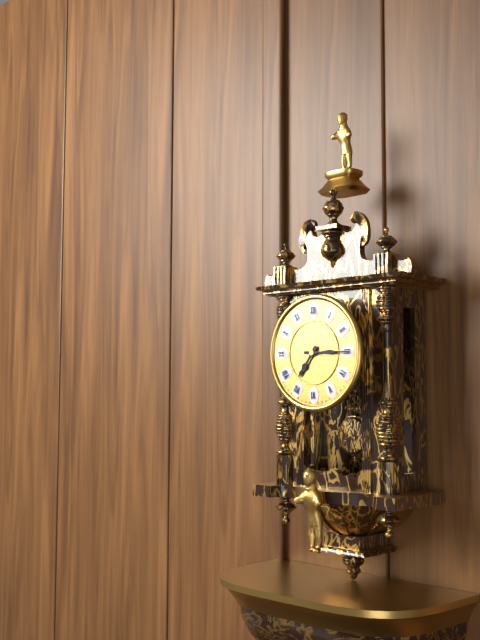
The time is 7:15
